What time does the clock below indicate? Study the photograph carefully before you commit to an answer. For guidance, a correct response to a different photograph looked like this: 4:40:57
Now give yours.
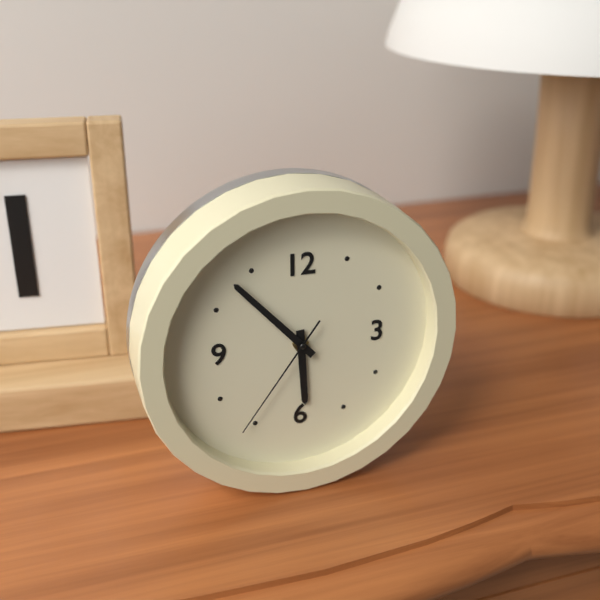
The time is 5:53:36
